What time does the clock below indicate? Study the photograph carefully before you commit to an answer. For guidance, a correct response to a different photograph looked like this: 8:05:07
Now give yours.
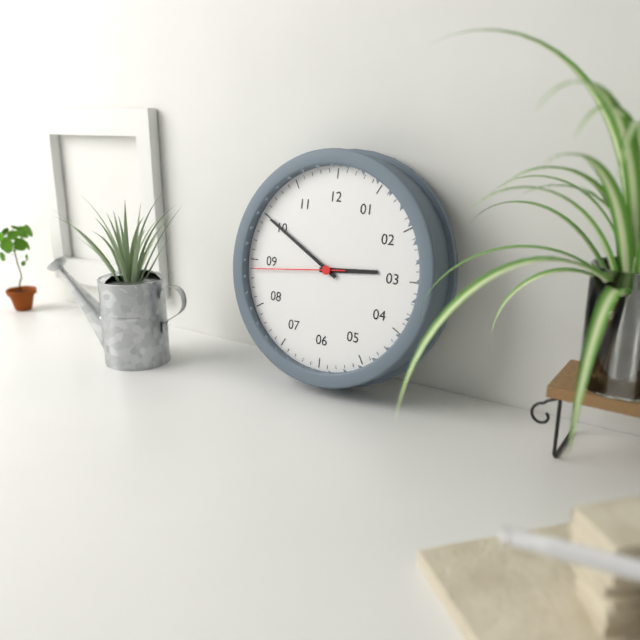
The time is 2:50:44
